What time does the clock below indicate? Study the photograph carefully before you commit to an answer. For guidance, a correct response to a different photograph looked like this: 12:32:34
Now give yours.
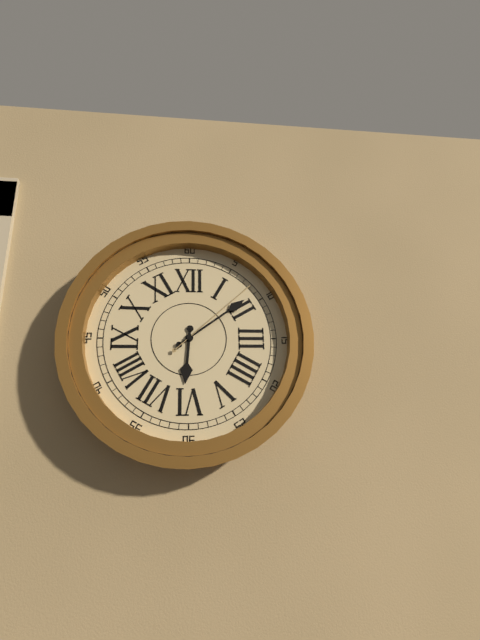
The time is 6:09:08
